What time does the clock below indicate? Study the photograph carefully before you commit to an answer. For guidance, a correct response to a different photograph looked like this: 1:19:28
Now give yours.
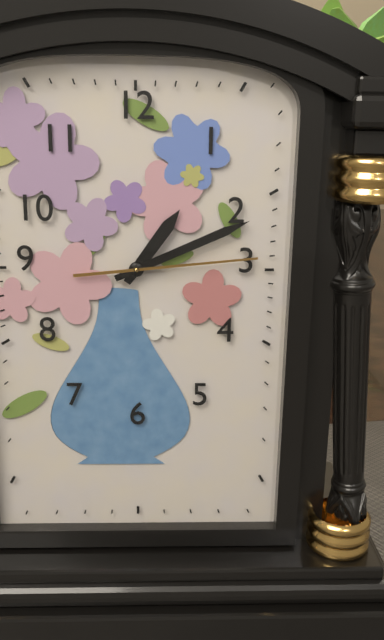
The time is 1:11:14
